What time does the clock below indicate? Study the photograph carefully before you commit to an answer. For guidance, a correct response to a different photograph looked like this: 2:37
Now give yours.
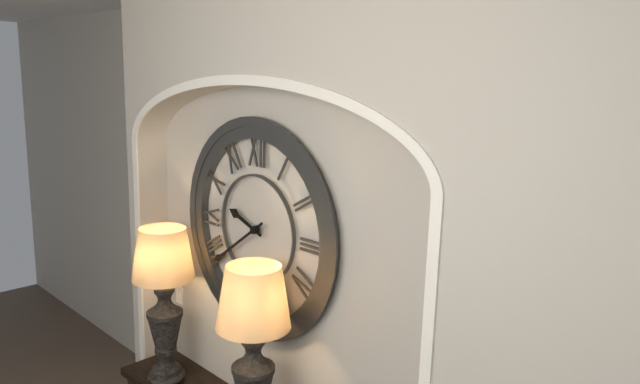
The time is 9:39
